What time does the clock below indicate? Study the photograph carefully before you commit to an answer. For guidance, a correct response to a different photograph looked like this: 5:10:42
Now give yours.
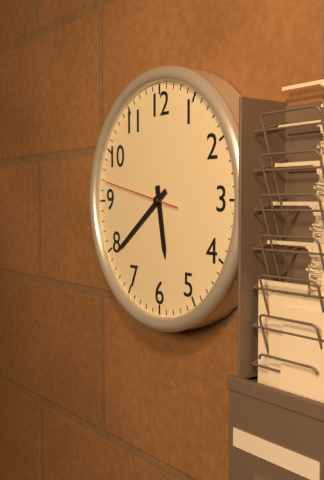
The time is 5:39:47
